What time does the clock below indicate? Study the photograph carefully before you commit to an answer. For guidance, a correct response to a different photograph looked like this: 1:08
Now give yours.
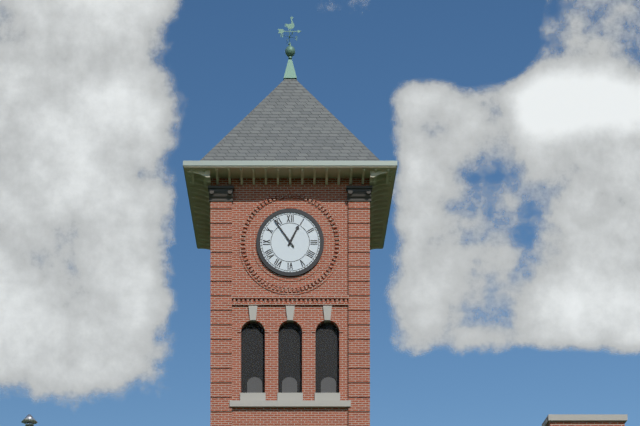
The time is 12:54
